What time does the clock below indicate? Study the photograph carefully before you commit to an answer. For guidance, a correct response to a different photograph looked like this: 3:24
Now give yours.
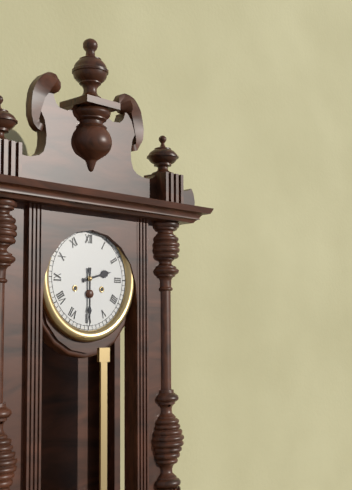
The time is 2:30
